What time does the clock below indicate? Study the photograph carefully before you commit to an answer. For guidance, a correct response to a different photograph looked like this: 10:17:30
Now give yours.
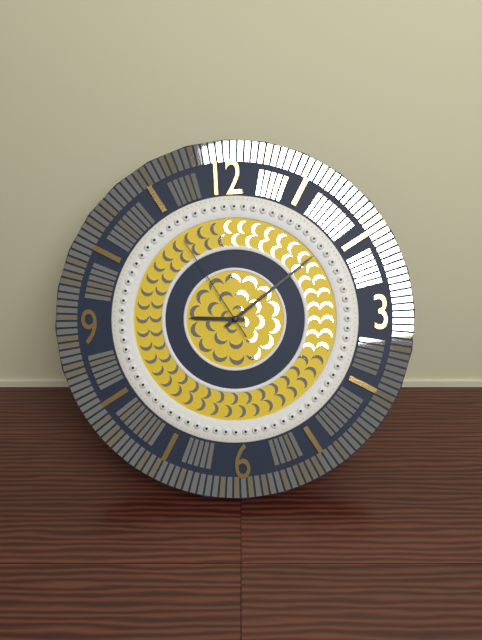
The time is 9:09:55
